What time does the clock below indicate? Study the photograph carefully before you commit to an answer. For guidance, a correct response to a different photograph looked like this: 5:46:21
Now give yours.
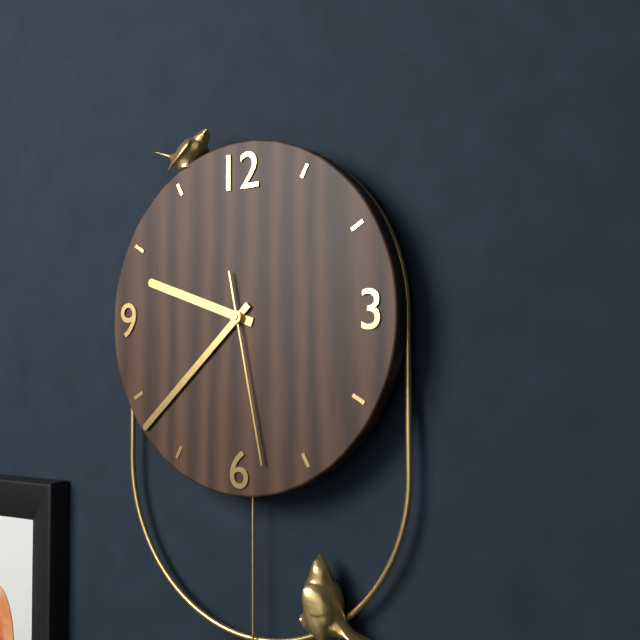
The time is 9:38:28
